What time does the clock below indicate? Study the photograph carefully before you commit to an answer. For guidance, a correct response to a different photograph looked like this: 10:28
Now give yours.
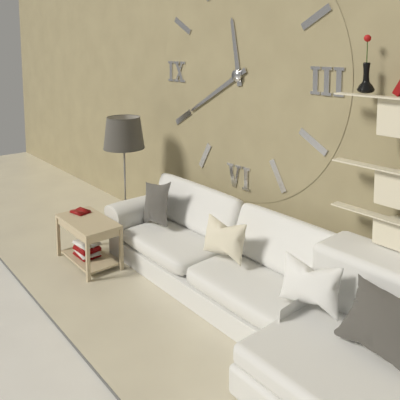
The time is 11:40
